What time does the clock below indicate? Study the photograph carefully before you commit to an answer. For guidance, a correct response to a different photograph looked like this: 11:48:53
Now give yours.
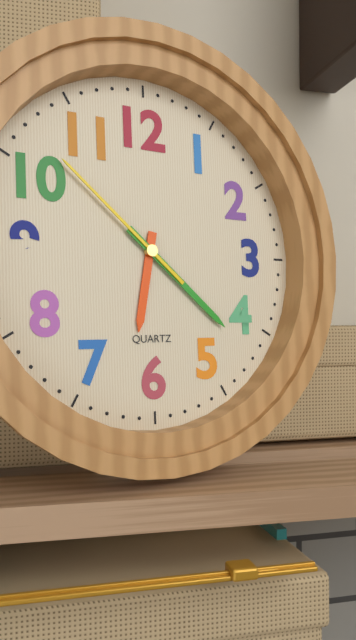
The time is 6:22:52
